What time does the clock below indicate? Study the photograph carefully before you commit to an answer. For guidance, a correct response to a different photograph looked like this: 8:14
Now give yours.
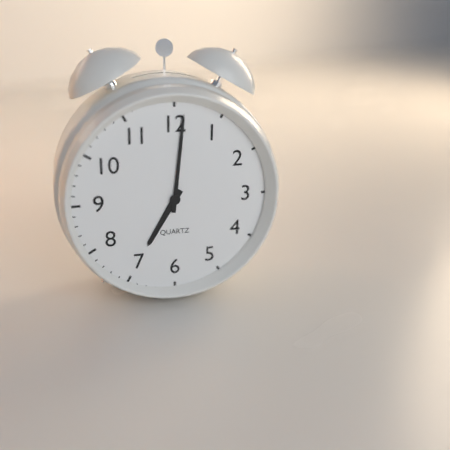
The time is 7:01
